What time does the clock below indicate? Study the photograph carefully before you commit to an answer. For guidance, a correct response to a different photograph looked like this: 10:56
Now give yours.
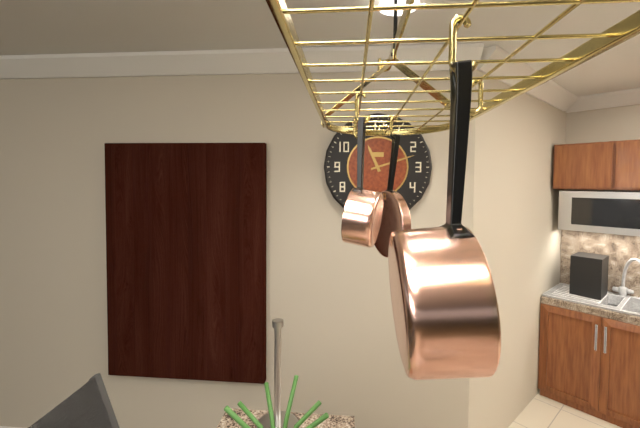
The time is 11:12
